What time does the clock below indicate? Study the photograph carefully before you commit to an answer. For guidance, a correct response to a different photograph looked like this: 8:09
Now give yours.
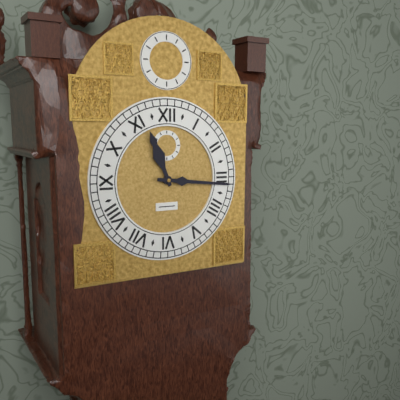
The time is 11:16
